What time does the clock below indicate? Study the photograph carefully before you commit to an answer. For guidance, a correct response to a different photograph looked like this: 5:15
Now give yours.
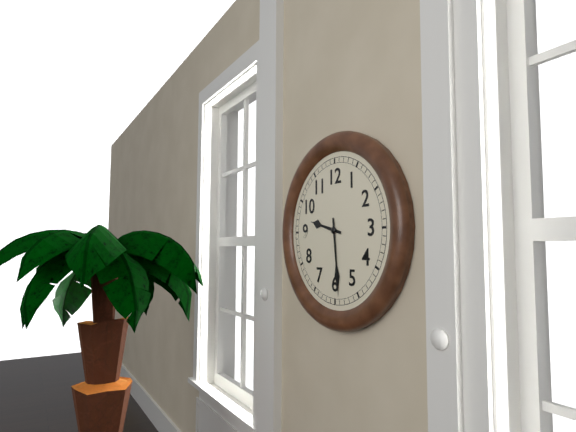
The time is 9:29
